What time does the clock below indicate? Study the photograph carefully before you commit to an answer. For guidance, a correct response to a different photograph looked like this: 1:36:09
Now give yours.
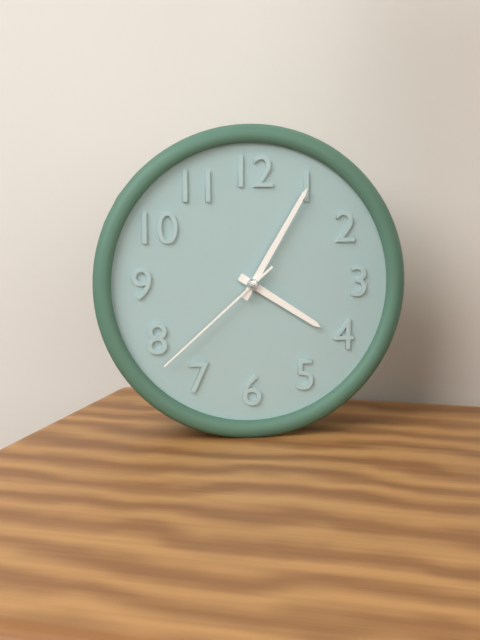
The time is 4:05:38
